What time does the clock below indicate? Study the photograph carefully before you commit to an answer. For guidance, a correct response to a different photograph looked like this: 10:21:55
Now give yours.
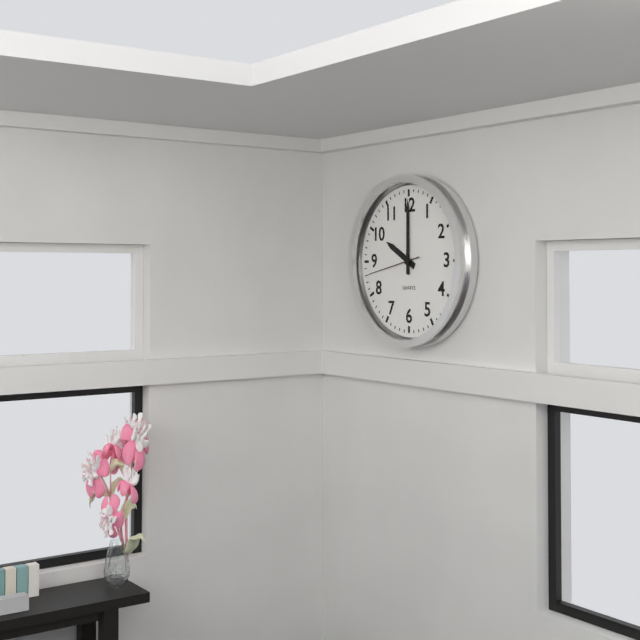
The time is 10:00:43
